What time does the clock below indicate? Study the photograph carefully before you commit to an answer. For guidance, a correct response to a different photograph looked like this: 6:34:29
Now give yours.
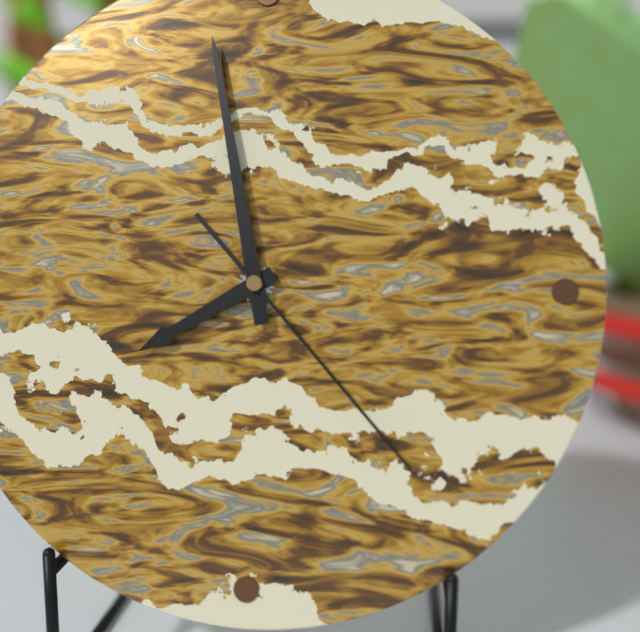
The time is 7:58:23
